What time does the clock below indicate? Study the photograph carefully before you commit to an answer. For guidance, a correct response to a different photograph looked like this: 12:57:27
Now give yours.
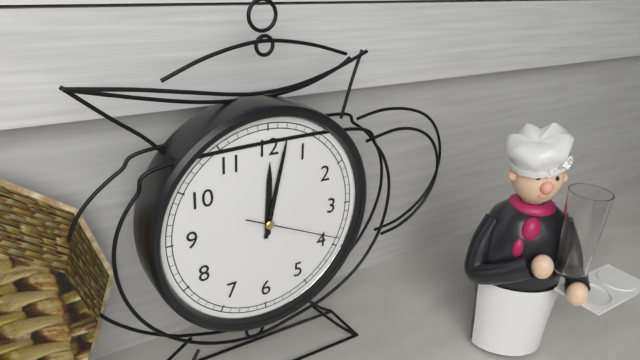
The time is 12:02:19
